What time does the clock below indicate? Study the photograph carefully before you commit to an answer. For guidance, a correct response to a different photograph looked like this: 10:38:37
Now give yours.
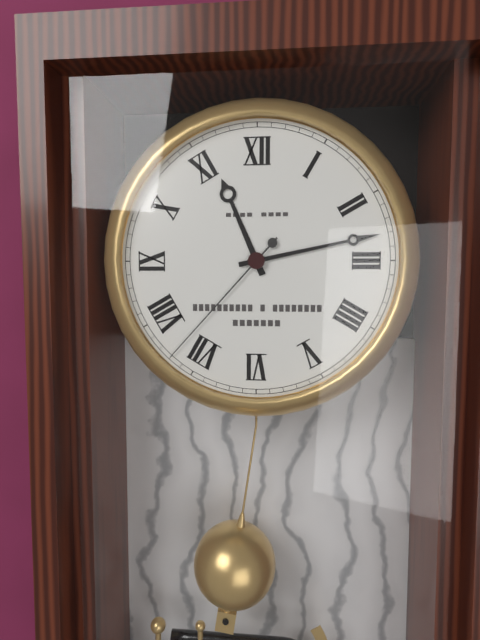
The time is 11:13:37
